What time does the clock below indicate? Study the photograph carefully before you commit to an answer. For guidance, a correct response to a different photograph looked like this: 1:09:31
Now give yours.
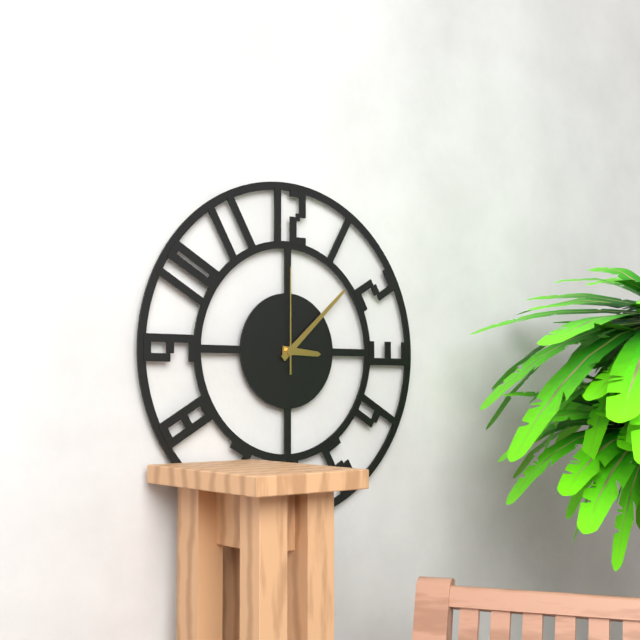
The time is 3:08:00
